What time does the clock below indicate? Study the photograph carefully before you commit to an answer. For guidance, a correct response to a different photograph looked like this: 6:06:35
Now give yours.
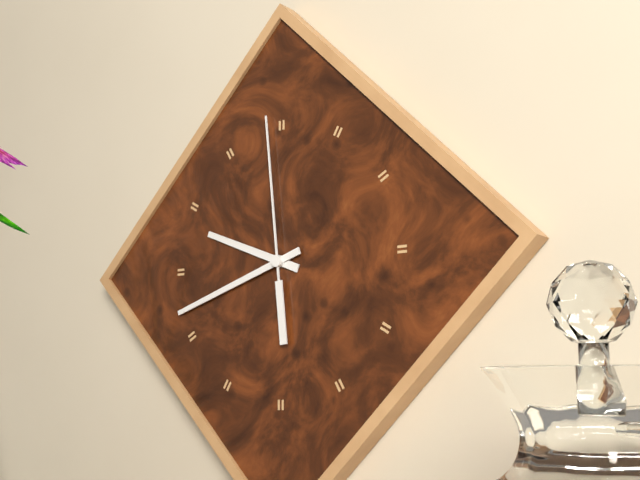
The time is 9:42:59
